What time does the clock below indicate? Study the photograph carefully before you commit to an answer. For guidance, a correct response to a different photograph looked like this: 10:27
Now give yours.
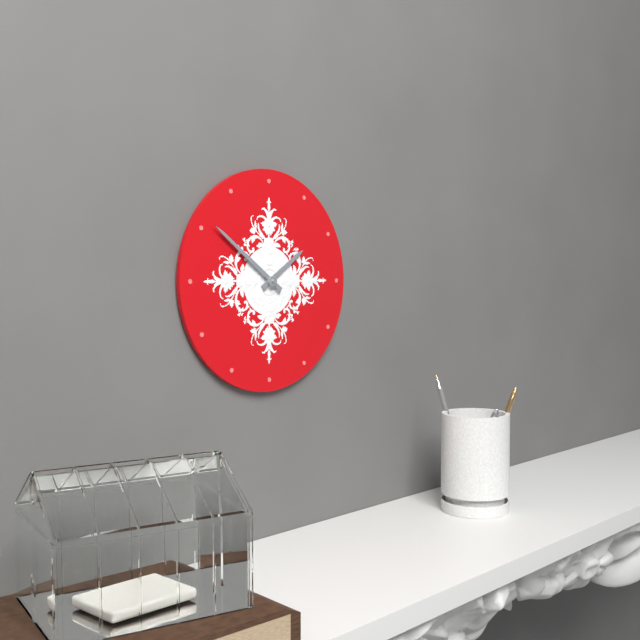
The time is 1:51
